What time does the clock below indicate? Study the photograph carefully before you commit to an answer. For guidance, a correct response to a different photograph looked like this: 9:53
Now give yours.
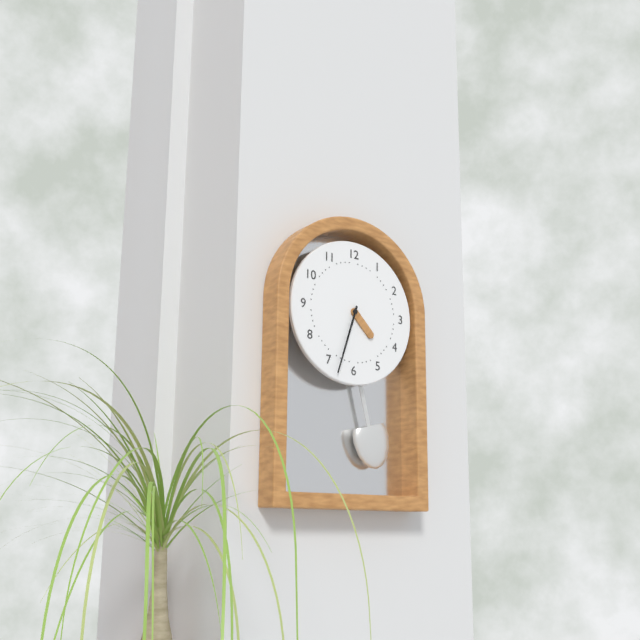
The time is 4:33
